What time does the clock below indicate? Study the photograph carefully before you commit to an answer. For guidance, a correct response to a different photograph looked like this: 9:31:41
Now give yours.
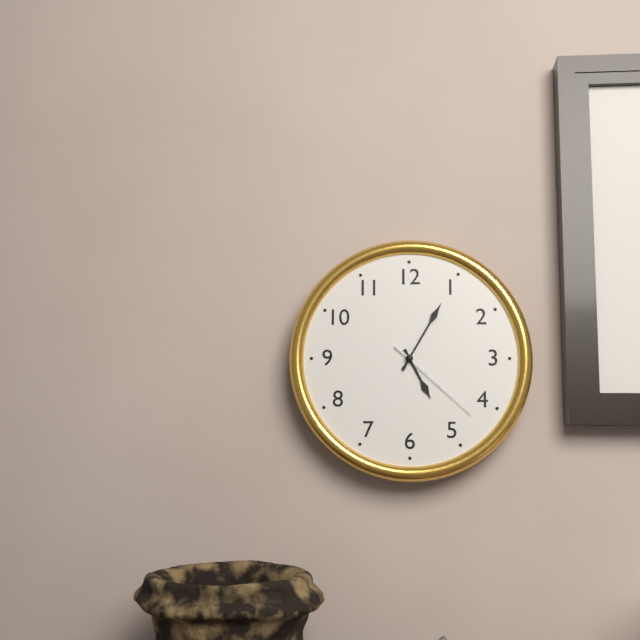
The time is 5:05:22
